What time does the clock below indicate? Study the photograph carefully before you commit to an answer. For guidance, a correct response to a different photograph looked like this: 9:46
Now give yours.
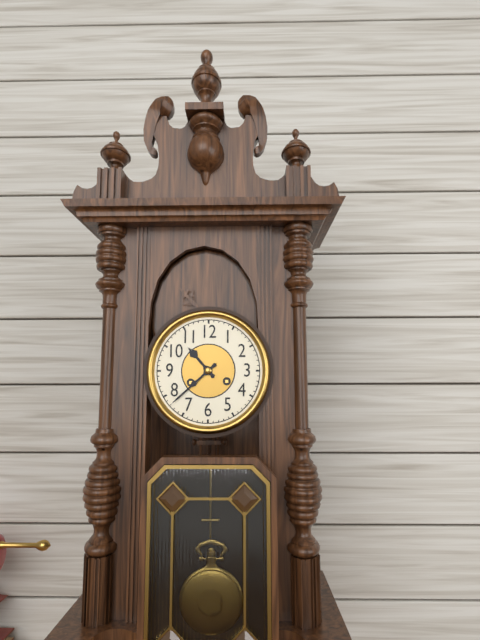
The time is 10:38
